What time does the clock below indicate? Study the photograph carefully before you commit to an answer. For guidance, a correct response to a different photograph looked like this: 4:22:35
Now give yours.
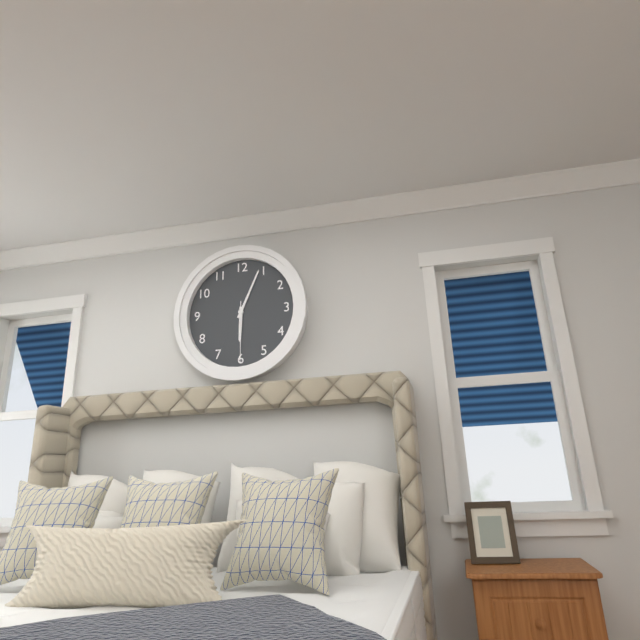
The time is 6:04:30
